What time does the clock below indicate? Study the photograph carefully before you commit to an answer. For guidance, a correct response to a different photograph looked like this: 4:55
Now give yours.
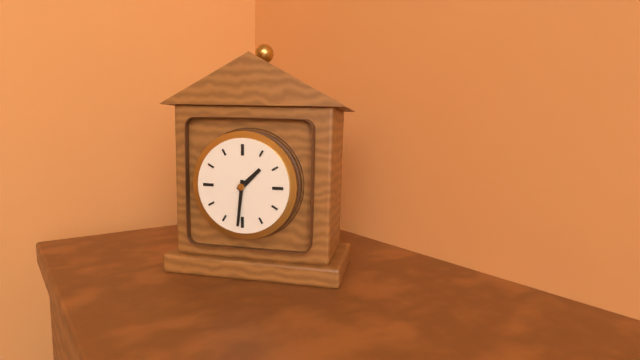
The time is 1:31
